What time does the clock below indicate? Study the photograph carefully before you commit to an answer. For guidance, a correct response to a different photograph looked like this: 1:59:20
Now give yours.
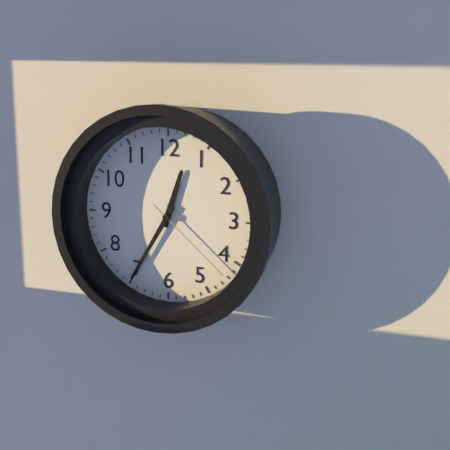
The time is 12:35:22
